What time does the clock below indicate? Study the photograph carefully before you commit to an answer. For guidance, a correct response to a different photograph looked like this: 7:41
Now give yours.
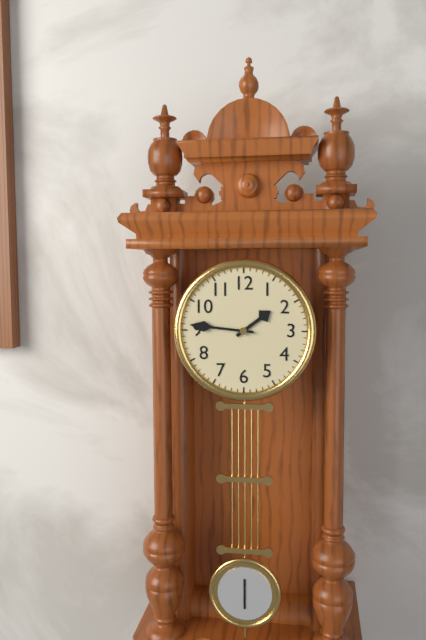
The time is 1:46
